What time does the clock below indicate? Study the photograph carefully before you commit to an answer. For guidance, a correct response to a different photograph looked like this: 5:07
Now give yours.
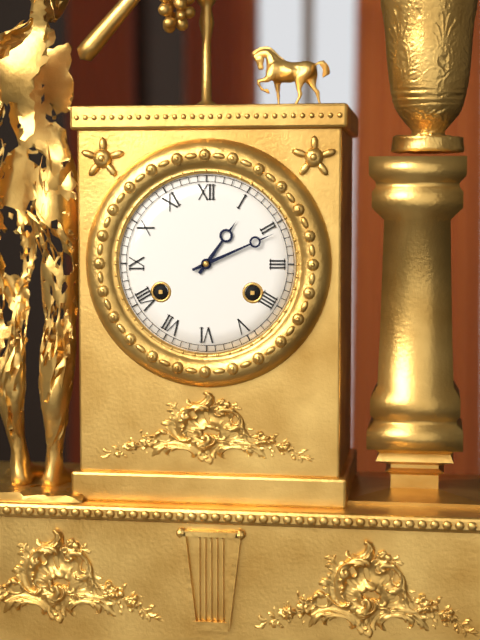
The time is 1:11
